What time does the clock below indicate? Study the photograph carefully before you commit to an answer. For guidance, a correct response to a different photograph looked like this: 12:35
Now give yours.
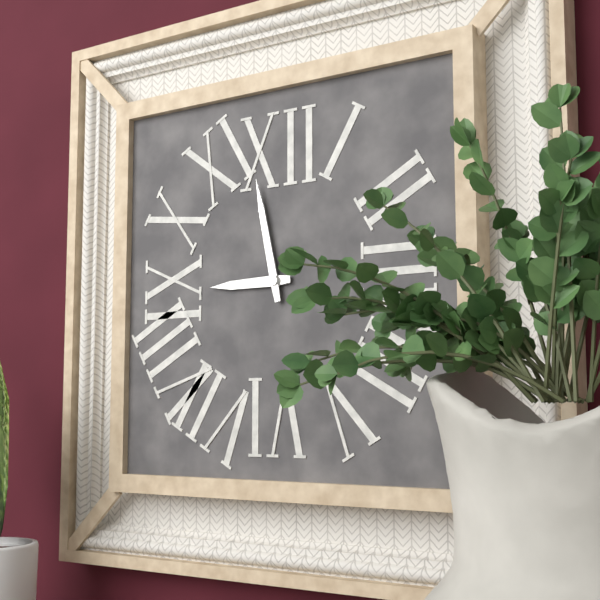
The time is 8:58
